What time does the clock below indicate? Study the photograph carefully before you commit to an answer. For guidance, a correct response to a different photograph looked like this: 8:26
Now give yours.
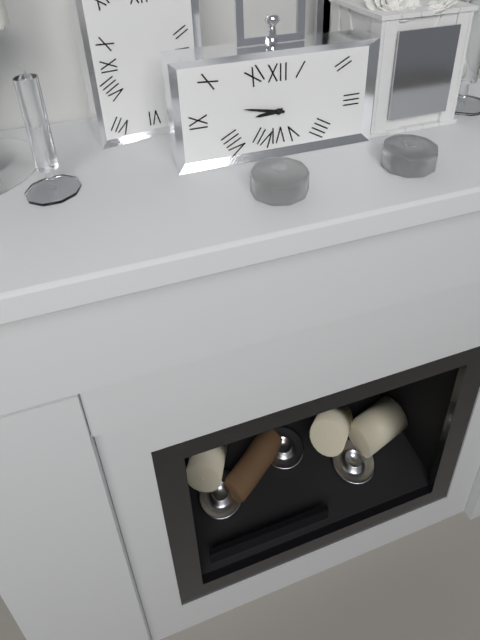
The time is 8:47
